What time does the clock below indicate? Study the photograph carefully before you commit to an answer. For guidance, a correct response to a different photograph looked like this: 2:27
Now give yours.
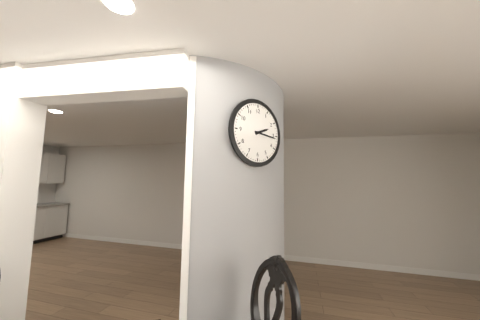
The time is 2:16
